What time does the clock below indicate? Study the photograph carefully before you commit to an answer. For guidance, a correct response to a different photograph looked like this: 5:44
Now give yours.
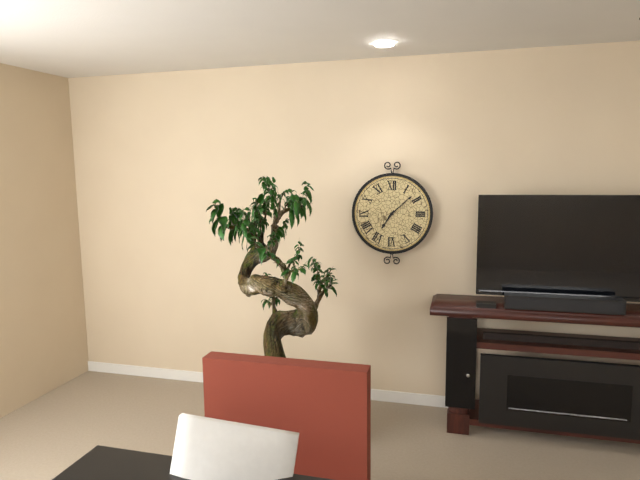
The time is 7:08
